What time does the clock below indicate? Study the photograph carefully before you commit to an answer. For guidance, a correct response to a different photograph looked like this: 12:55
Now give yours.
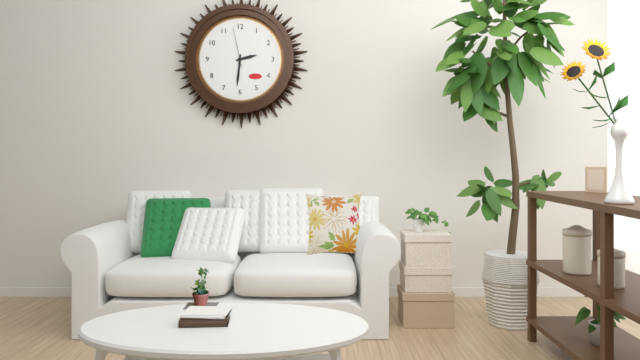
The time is 2:31
